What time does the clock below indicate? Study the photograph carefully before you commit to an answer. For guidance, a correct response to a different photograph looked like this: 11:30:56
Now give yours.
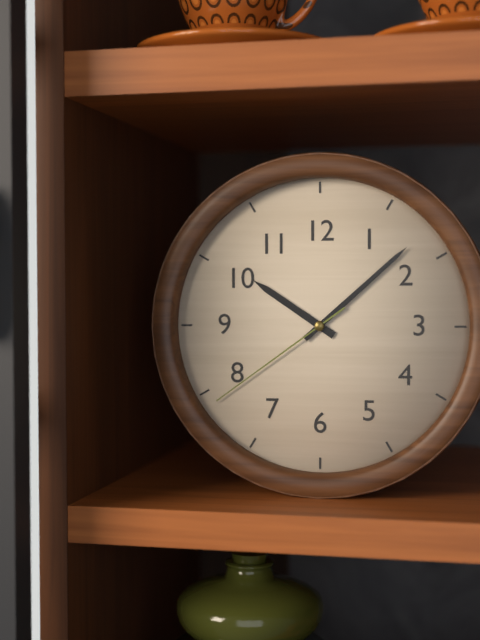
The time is 10:08:39
